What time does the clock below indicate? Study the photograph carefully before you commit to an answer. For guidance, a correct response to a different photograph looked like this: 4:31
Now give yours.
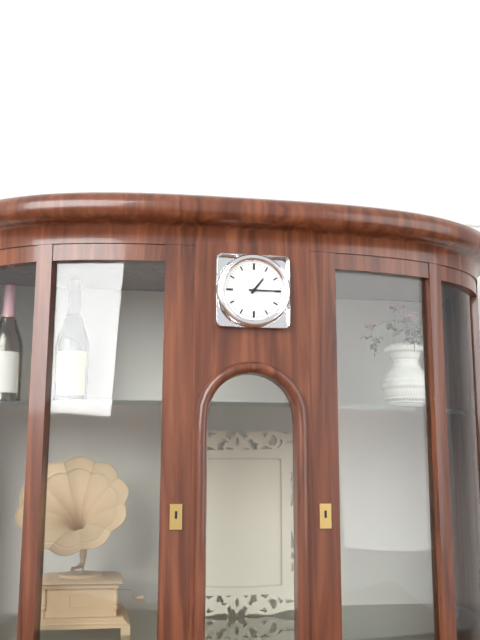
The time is 1:15
